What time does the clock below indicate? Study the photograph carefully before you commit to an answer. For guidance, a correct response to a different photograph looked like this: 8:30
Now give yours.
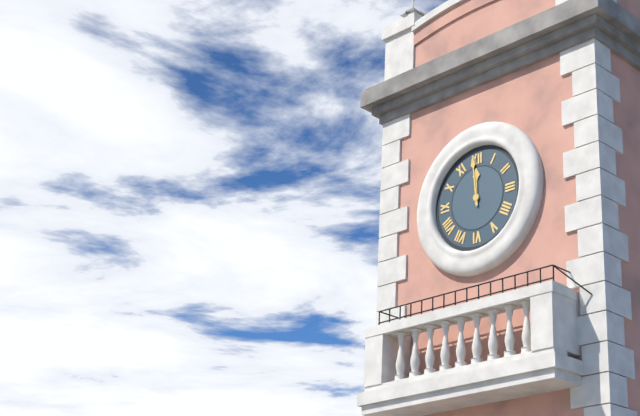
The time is 11:59
